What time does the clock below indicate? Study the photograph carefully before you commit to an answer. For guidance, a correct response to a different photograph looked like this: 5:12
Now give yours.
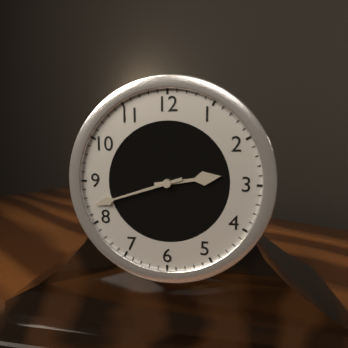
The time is 2:42
